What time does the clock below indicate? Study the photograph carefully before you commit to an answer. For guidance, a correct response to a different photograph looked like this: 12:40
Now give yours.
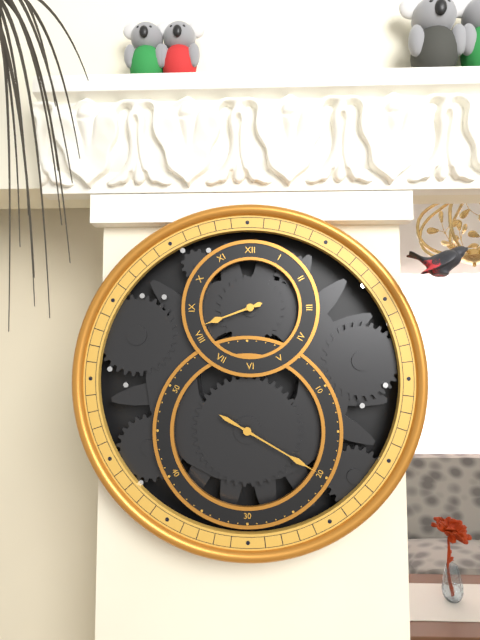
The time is 8:20
